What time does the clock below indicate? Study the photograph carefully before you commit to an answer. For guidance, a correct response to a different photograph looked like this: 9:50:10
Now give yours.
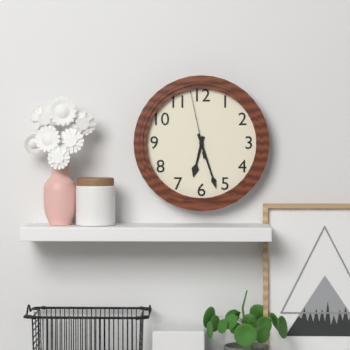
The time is 6:27:58
